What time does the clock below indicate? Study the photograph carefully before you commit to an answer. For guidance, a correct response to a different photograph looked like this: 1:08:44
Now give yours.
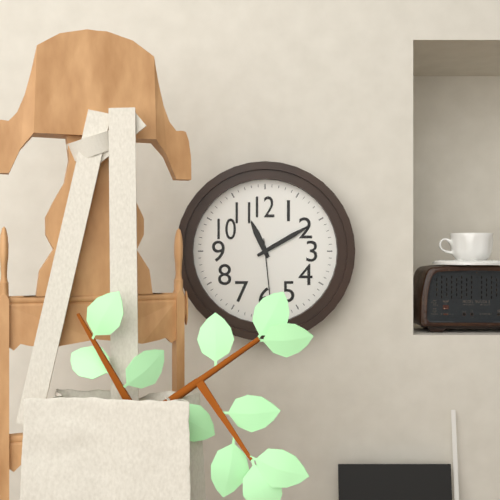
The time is 11:10:29
